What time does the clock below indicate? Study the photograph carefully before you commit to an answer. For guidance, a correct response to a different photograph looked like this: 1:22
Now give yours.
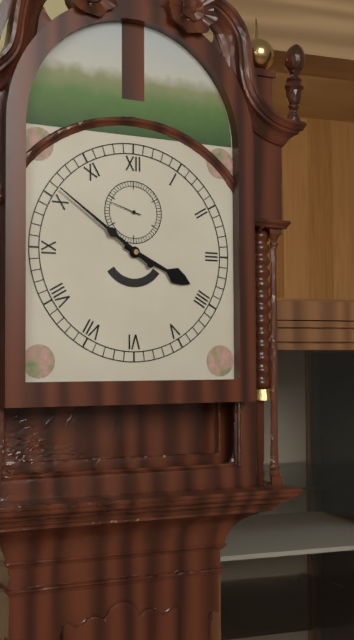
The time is 3:51
